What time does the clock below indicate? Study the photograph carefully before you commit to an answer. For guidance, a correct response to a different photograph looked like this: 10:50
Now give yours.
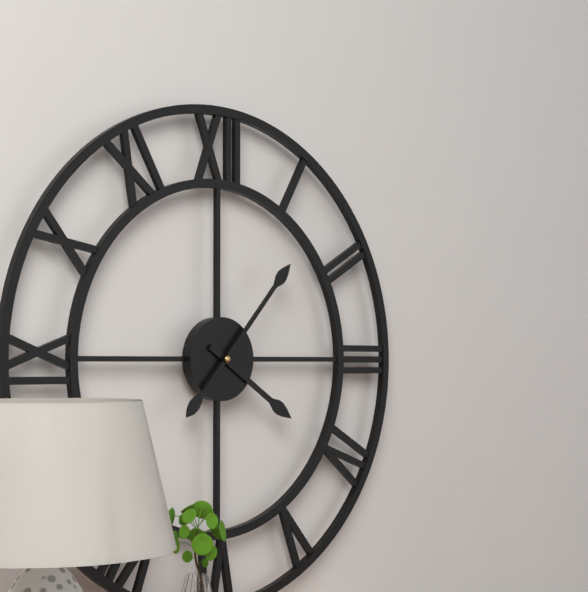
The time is 4:07
